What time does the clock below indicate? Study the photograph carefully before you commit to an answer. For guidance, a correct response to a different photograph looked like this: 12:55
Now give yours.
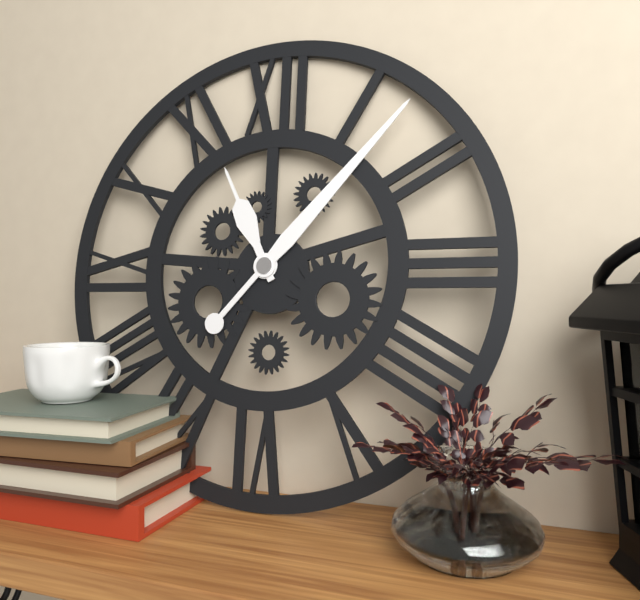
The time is 11:07
